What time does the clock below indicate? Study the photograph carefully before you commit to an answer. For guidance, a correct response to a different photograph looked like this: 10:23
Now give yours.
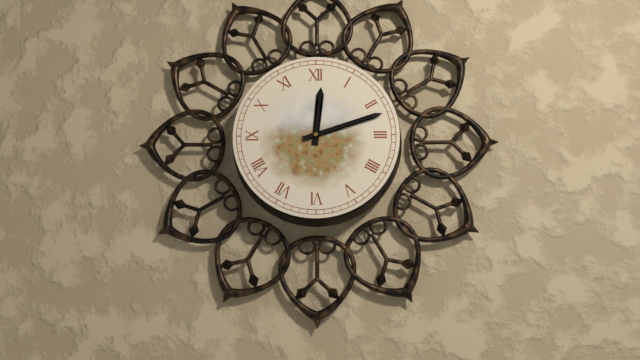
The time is 12:12
